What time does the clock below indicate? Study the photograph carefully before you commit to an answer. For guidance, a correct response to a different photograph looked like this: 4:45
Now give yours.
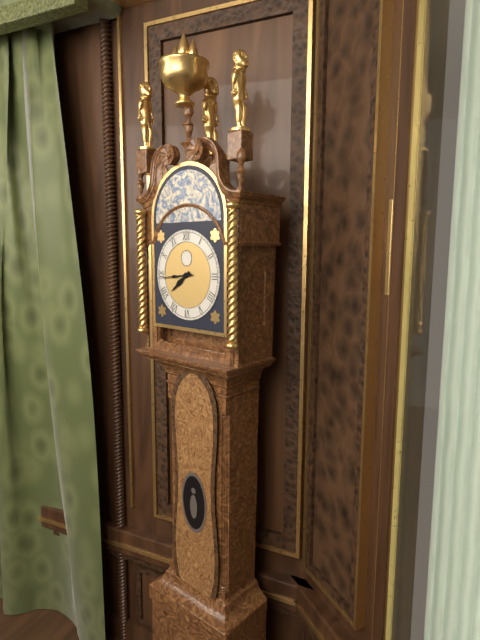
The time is 7:44
